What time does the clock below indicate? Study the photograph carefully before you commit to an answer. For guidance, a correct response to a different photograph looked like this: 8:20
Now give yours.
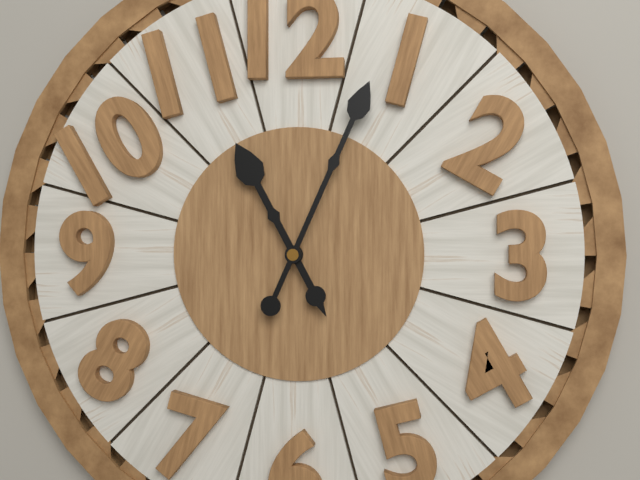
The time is 11:04
